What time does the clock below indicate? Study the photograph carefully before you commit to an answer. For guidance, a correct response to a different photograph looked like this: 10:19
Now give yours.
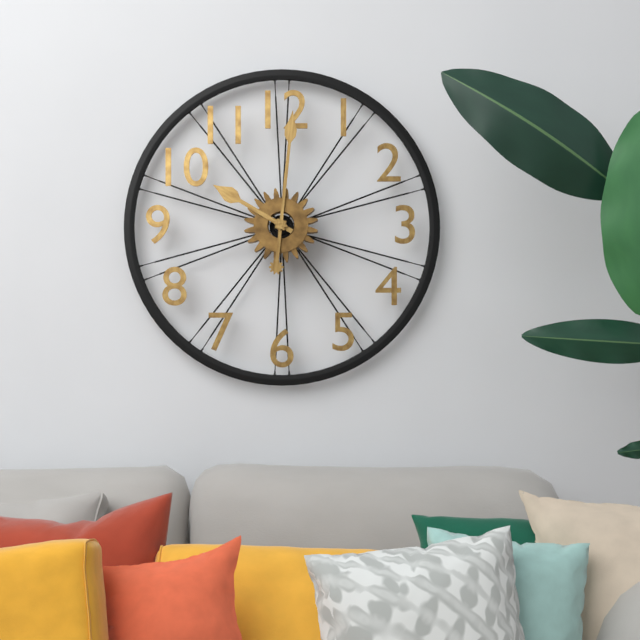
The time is 10:01
